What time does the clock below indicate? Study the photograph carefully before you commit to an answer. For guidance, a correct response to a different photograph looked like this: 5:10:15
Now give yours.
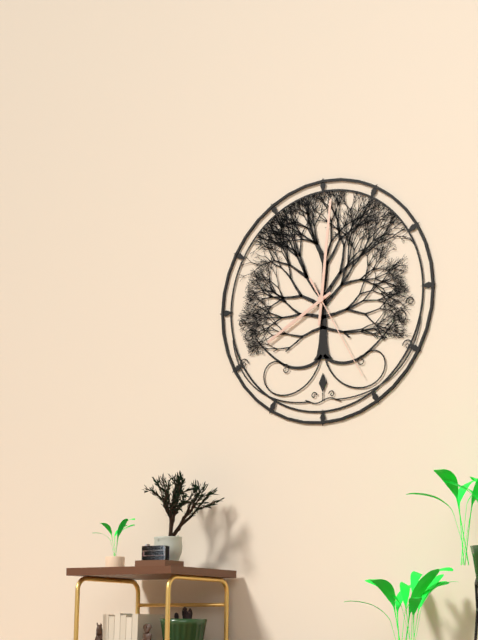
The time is 8:01:25
